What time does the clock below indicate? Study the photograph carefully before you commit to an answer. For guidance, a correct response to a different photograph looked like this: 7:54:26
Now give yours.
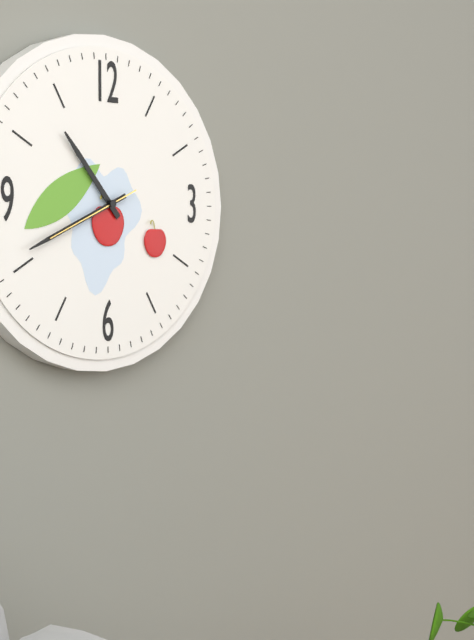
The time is 10:41:41
